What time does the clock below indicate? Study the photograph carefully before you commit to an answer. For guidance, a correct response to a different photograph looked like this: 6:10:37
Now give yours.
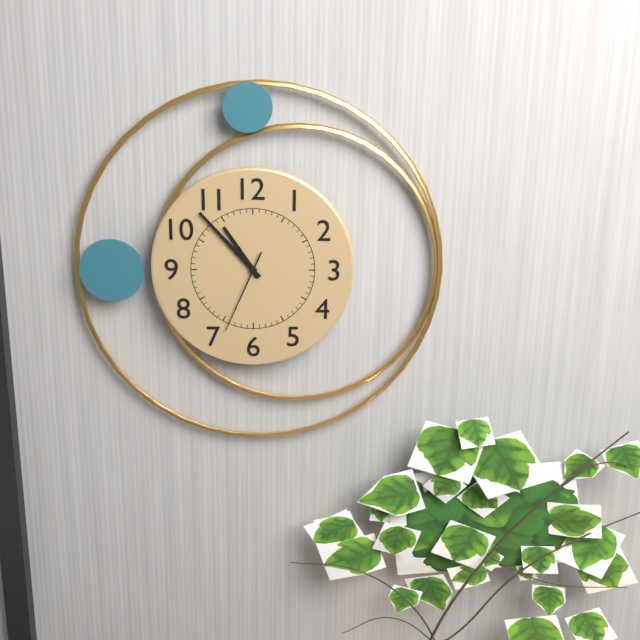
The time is 10:53:34
